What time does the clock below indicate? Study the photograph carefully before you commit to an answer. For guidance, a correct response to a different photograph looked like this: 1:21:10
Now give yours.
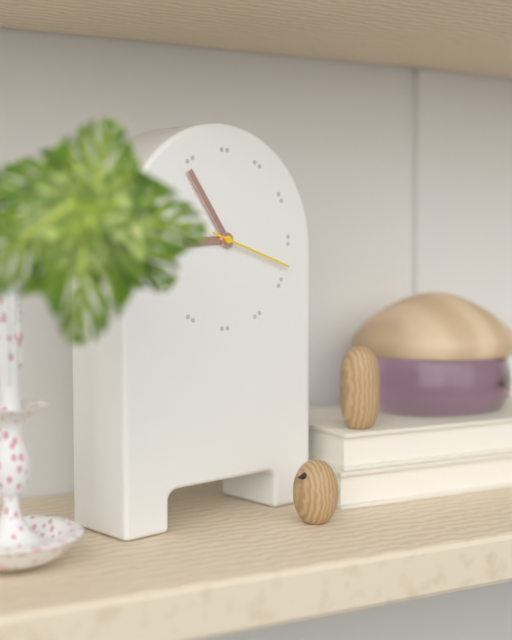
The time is 8:54:18
